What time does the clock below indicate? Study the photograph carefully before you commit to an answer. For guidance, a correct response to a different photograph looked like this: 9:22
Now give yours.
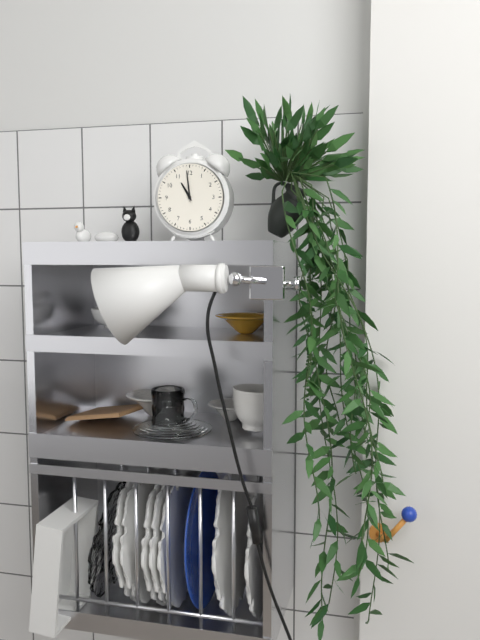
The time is 10:59
